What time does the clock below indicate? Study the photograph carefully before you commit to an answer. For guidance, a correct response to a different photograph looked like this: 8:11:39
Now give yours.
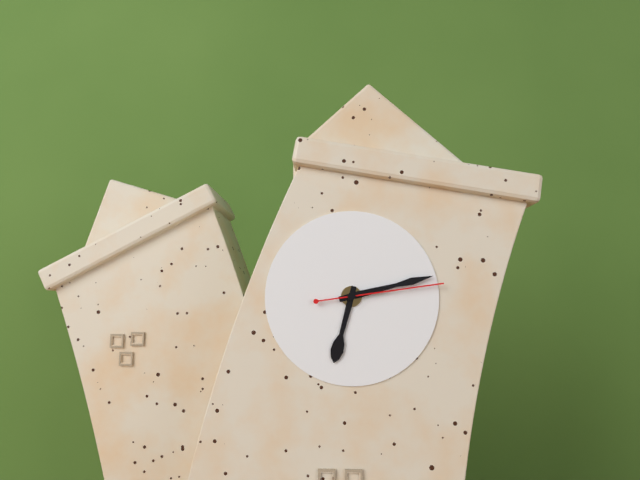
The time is 6:11:12
